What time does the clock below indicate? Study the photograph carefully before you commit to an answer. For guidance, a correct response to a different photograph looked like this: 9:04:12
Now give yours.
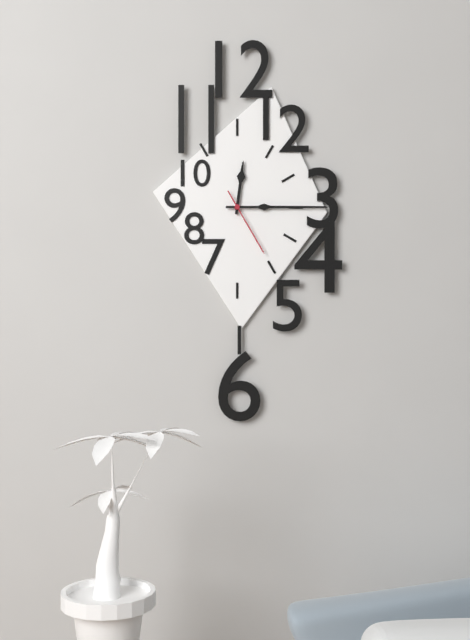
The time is 12:15:25
